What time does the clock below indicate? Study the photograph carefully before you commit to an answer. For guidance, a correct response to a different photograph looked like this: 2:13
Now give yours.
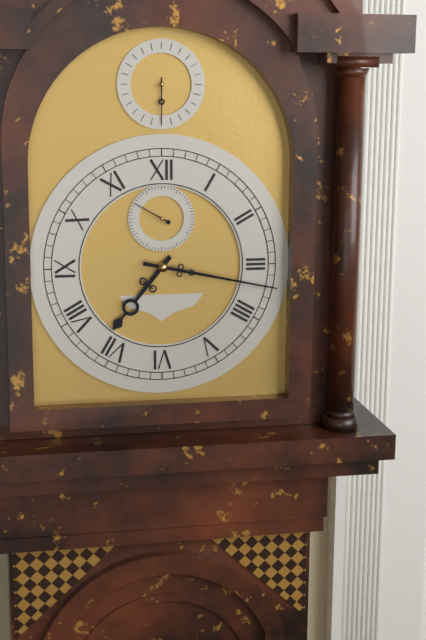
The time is 7:17
